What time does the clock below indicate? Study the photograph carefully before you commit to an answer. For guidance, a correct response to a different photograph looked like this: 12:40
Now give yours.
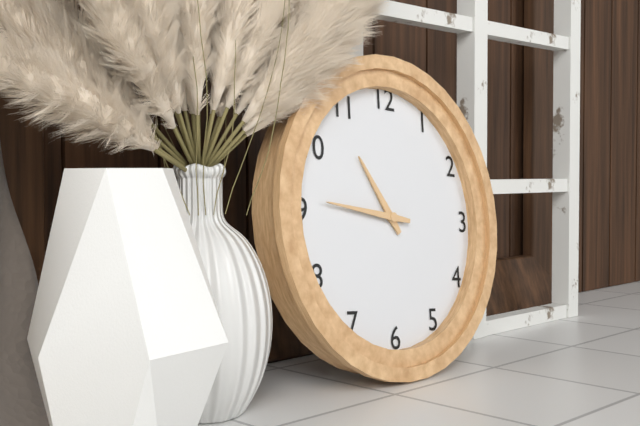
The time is 10:46
